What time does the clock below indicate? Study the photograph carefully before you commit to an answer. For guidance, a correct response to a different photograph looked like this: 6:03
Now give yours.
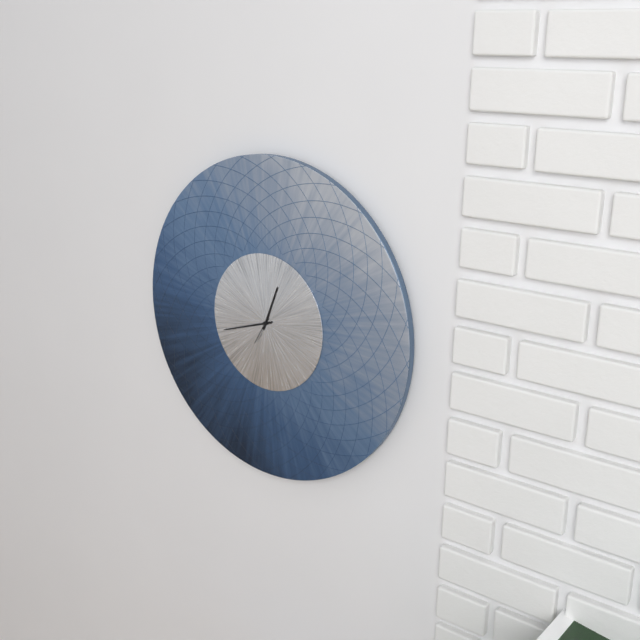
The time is 12:42
